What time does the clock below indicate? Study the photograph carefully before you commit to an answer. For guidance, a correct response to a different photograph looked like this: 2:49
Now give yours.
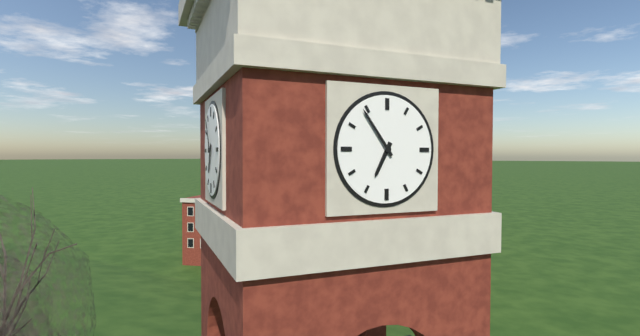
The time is 6:54
